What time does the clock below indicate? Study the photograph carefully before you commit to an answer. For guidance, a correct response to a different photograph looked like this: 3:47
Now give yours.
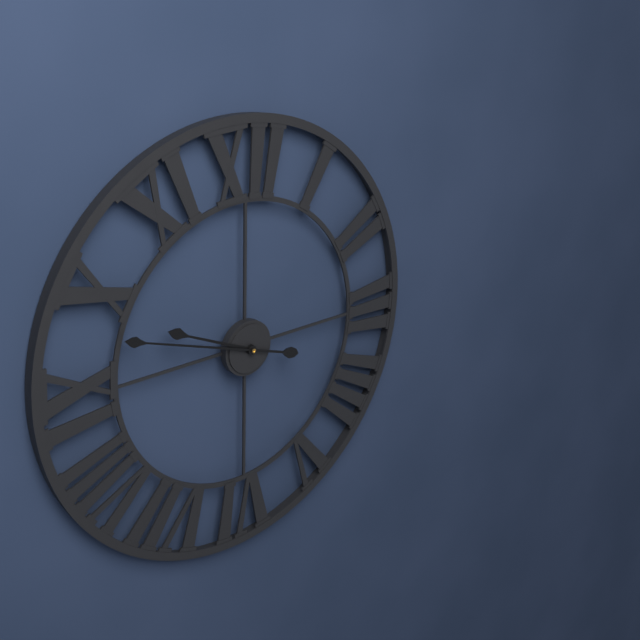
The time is 9:48
